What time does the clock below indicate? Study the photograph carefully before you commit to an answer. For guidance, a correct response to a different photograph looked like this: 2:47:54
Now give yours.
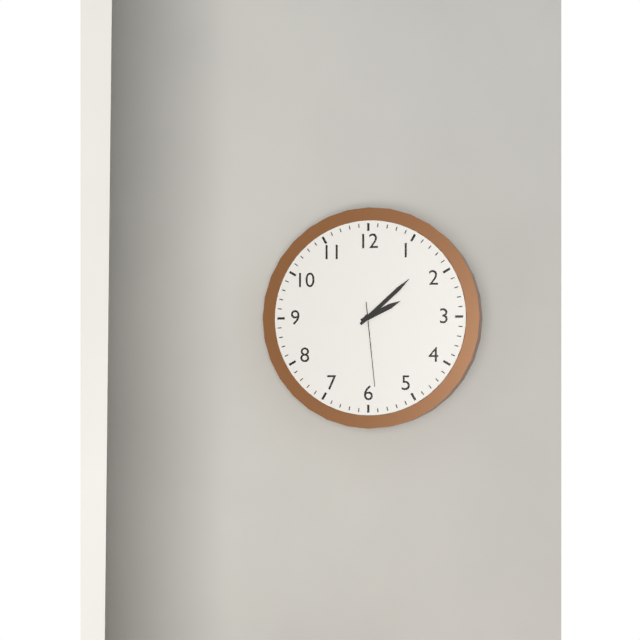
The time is 2:08:29
